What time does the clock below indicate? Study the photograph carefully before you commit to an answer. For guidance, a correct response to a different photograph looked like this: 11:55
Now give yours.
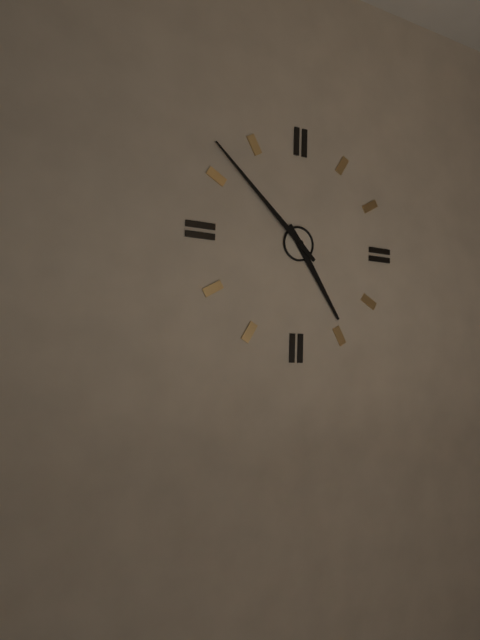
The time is 4:52
